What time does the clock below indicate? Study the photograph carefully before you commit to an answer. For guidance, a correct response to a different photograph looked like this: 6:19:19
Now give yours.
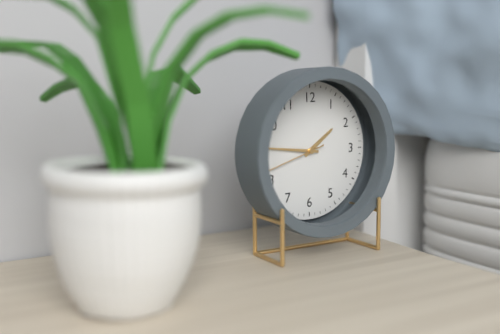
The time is 1:46:42
